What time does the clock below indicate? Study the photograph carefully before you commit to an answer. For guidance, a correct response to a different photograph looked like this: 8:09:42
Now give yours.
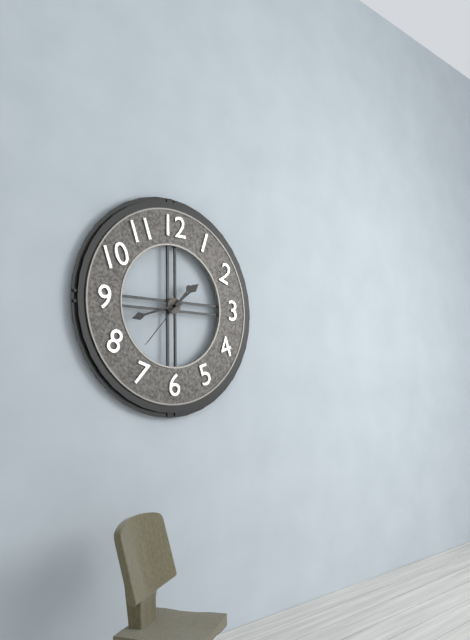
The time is 1:42:37
